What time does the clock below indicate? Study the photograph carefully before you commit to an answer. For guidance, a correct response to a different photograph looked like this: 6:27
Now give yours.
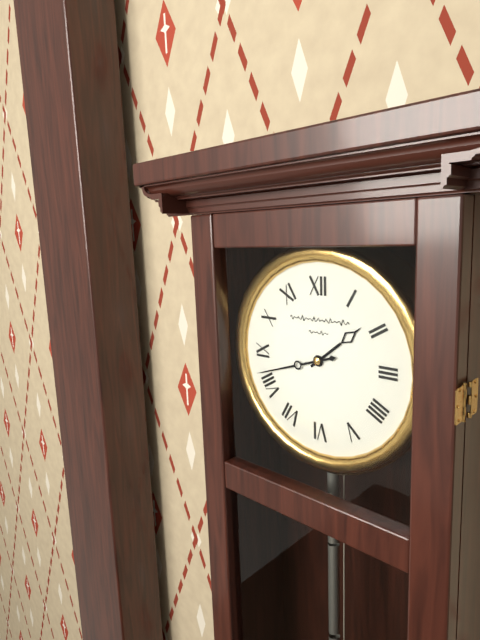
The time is 1:42
